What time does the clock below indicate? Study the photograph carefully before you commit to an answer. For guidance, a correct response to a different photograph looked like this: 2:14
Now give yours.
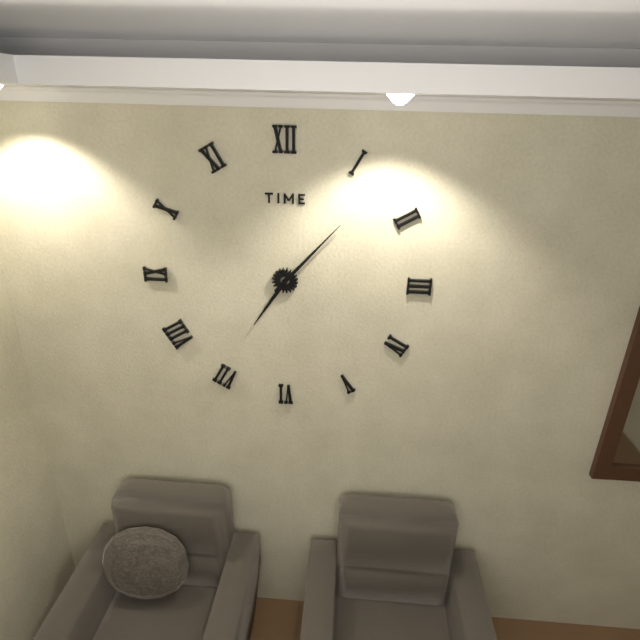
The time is 7:07
